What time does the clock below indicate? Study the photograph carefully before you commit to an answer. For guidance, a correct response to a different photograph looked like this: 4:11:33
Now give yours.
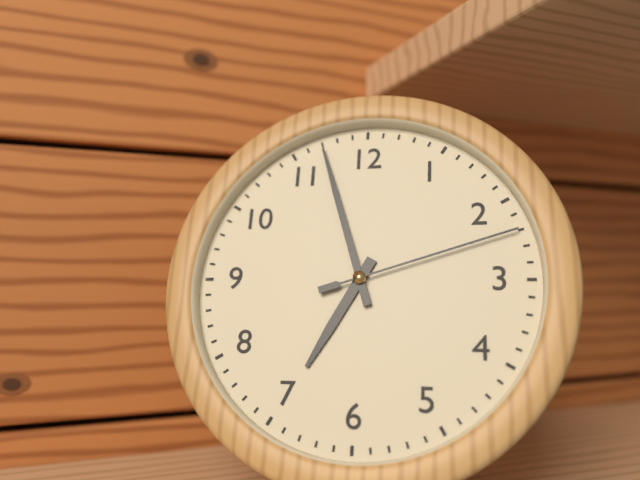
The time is 6:57:12
